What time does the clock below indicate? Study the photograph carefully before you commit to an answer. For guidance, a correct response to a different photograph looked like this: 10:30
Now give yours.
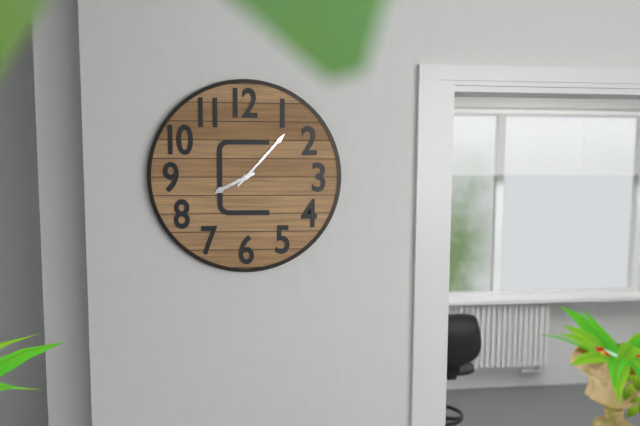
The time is 8:07
